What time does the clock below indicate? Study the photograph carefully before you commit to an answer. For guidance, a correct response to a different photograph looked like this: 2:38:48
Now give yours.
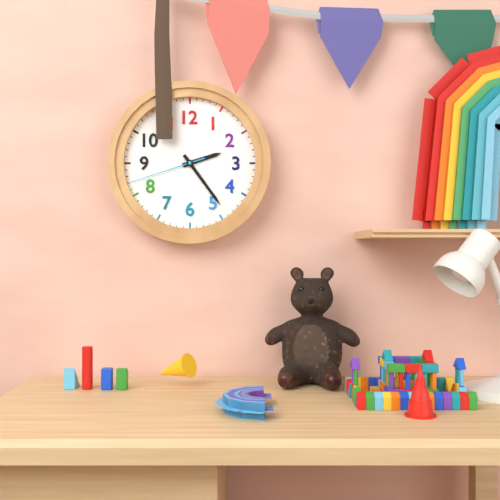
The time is 2:24:42
